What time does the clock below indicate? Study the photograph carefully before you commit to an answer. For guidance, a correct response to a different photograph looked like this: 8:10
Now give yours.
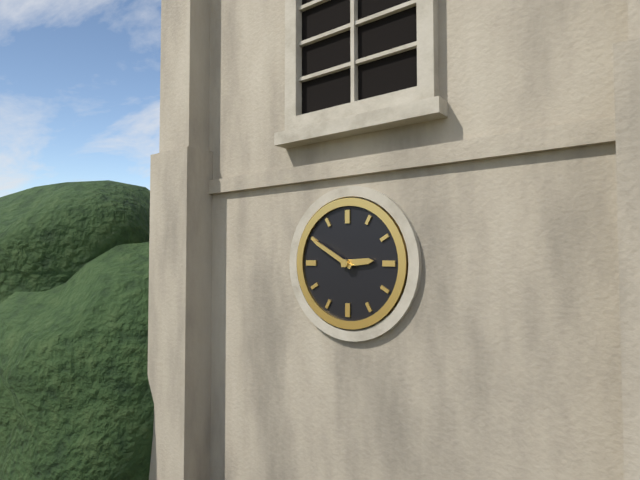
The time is 2:50
